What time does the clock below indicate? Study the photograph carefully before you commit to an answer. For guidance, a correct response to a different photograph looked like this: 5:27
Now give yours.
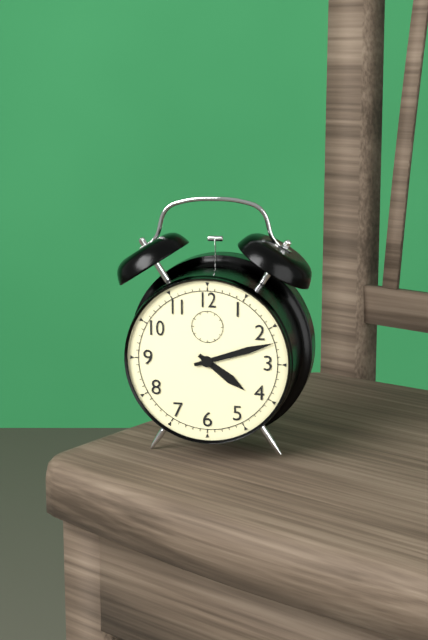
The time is 4:12
